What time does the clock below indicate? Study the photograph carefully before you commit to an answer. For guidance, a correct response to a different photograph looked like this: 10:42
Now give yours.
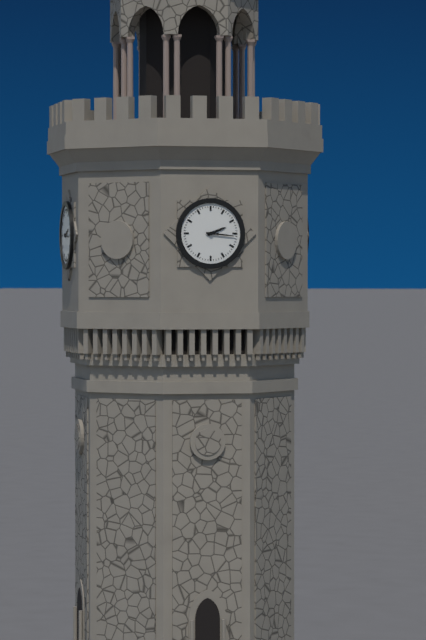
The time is 2:16
